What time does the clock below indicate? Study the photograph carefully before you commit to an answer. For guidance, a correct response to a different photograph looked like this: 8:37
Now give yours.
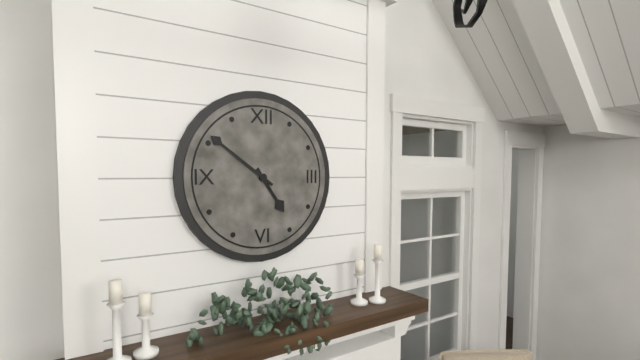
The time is 4:51
